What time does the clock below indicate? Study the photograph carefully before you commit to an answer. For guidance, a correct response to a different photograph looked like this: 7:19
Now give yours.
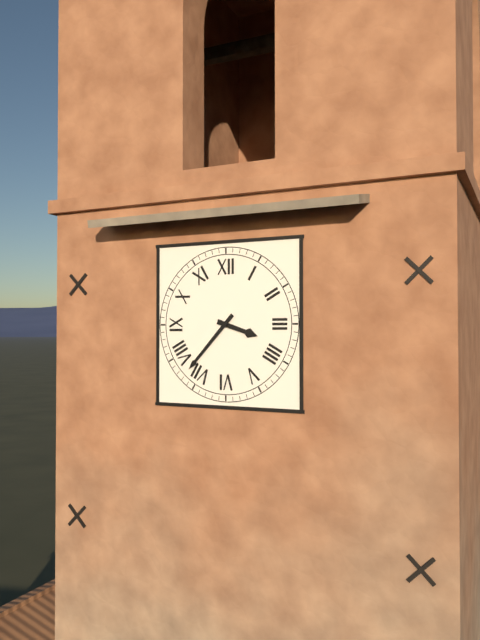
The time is 3:37
